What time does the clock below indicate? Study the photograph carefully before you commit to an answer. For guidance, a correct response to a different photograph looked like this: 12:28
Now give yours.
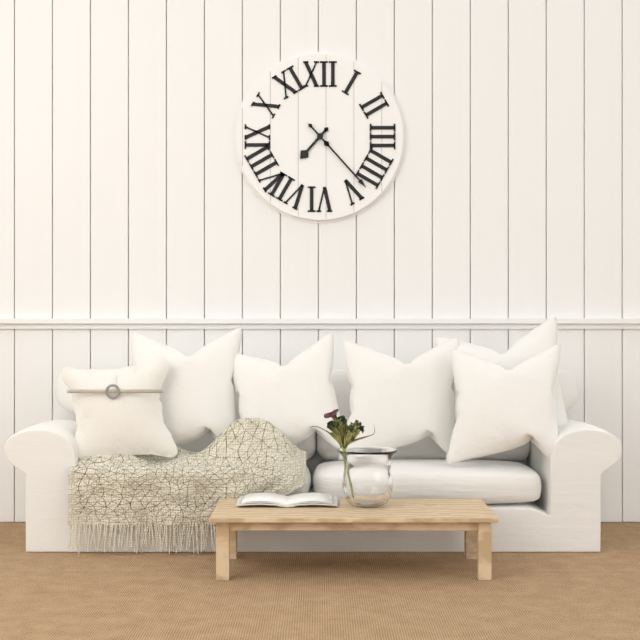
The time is 7:23
